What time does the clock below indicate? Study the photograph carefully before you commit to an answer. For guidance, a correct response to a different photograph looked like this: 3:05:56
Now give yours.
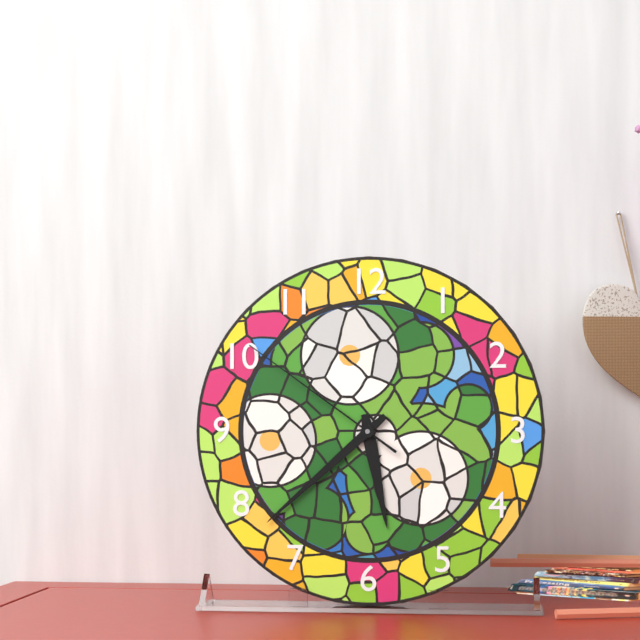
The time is 5:38:51
